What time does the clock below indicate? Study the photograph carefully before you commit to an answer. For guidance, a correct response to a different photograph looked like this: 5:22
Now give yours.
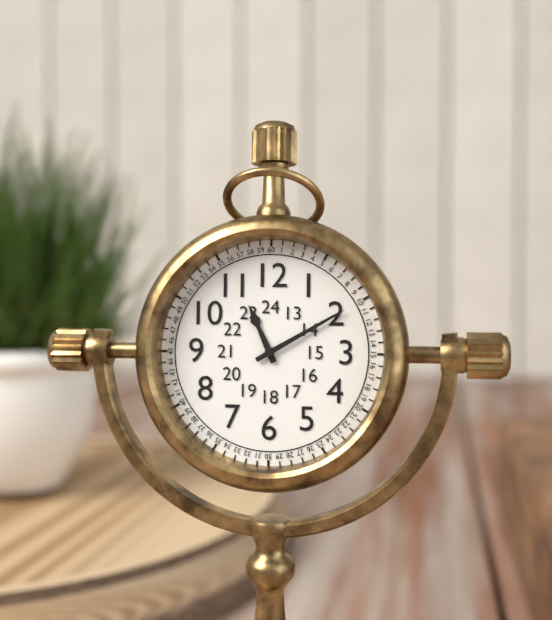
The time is 11:10
